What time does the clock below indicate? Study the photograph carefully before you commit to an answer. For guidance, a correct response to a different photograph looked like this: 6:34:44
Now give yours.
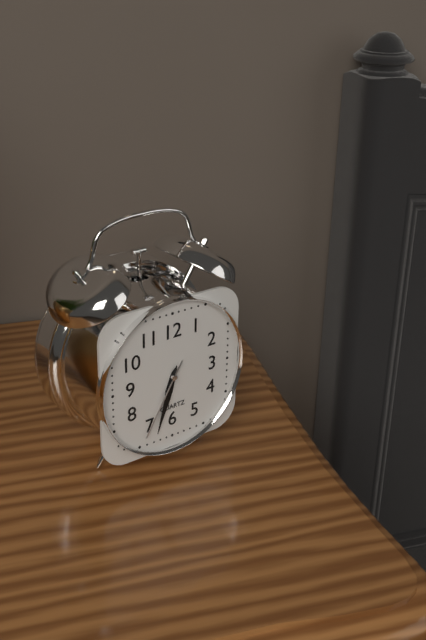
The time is 6:33:35
